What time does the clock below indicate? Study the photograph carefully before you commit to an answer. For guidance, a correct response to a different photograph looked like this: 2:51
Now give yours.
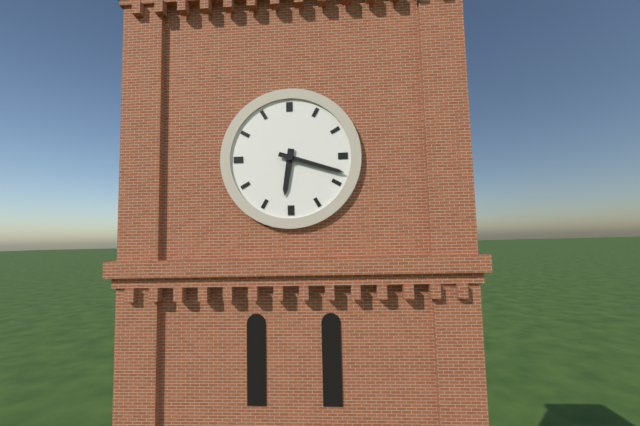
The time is 6:18
